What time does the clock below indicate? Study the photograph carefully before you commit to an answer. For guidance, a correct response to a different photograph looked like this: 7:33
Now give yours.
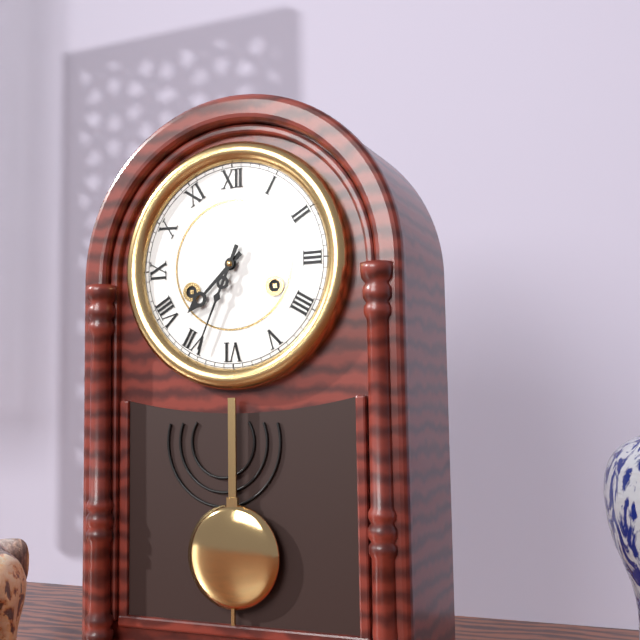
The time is 7:34
